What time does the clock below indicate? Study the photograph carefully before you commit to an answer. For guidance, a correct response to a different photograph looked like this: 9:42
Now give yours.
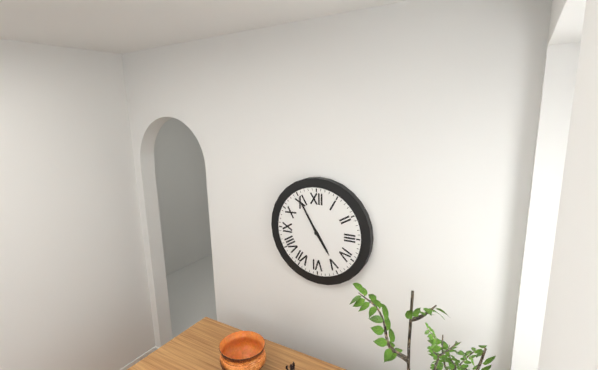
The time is 4:55
